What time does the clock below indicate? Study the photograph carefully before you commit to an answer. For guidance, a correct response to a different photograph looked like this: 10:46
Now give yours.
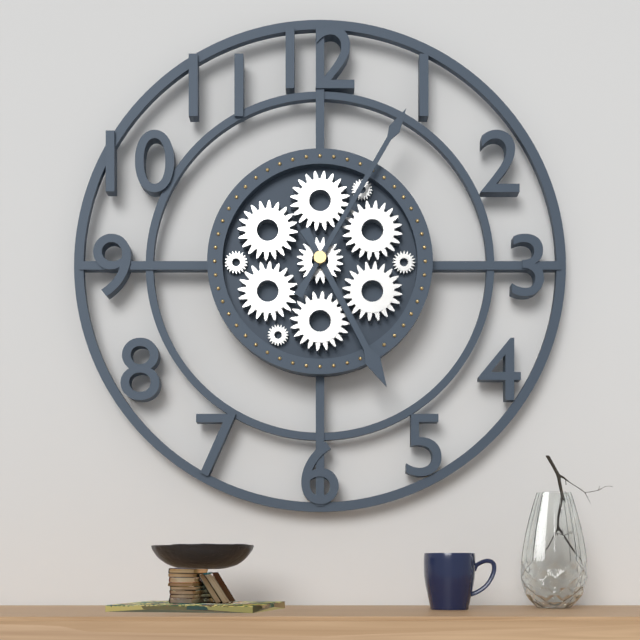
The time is 5:05
